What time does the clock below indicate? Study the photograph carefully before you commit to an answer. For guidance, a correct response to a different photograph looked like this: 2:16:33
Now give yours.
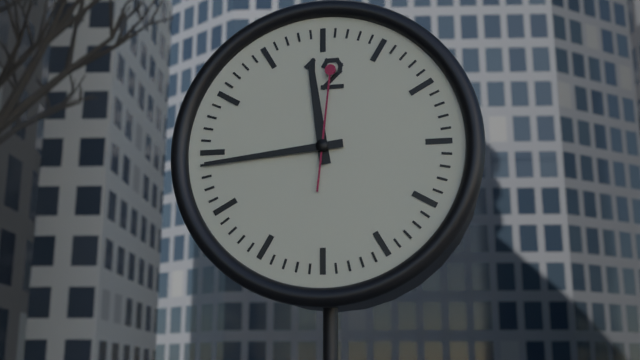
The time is 11:44:01
